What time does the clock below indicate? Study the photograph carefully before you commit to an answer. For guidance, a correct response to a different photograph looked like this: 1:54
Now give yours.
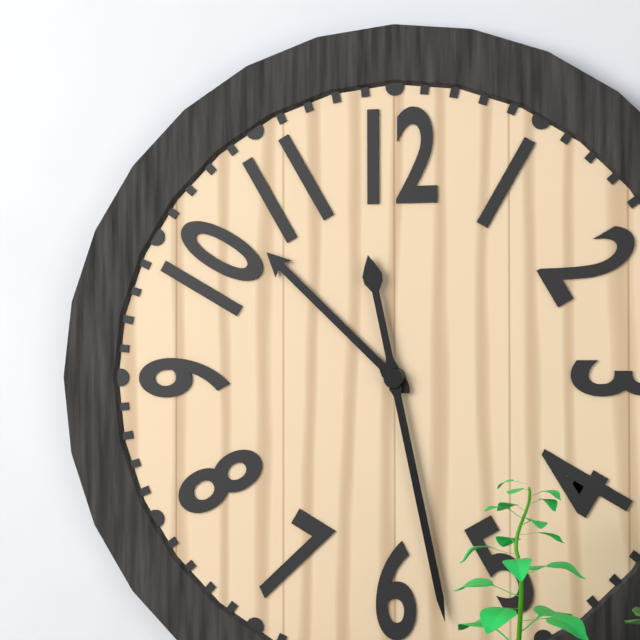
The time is 10:28
